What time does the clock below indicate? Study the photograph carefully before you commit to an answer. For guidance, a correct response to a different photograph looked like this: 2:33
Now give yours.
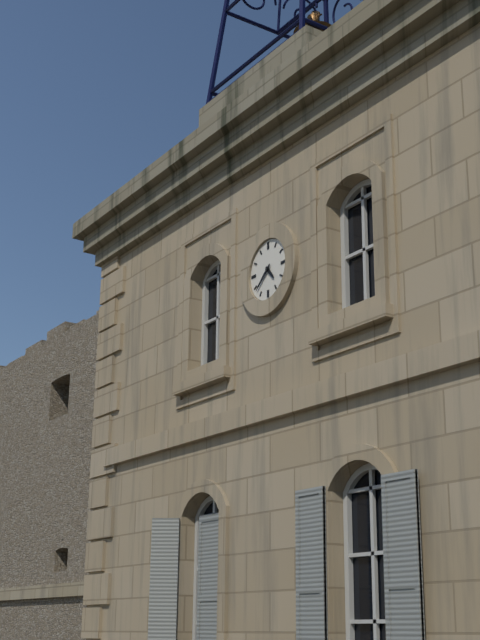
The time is 4:38
